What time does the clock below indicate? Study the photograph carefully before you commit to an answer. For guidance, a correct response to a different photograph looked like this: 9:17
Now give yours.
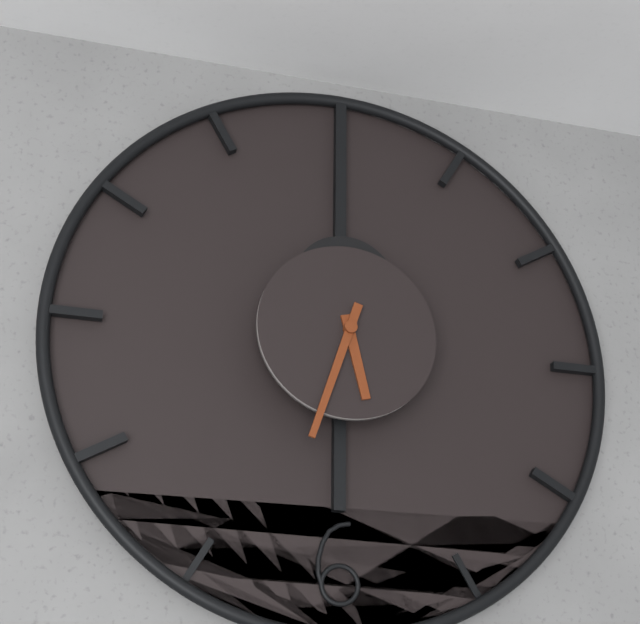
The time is 5:33
